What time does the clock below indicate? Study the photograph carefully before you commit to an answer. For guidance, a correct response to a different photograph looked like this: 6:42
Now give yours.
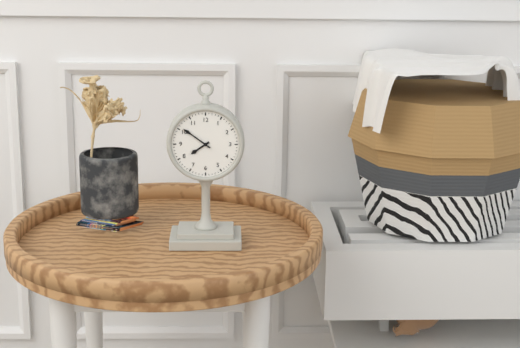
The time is 7:51
